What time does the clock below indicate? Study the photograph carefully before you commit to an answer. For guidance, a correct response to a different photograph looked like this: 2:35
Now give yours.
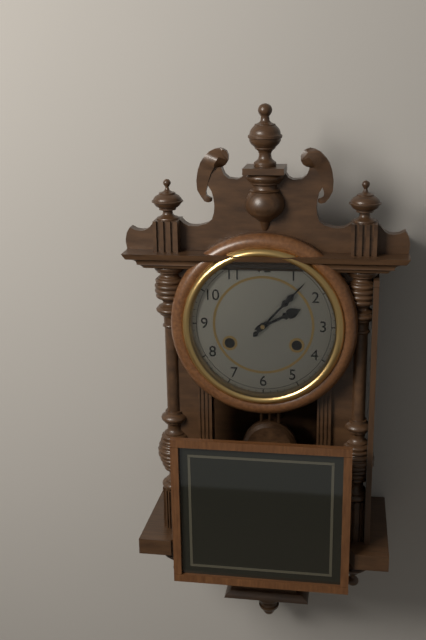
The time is 2:07
